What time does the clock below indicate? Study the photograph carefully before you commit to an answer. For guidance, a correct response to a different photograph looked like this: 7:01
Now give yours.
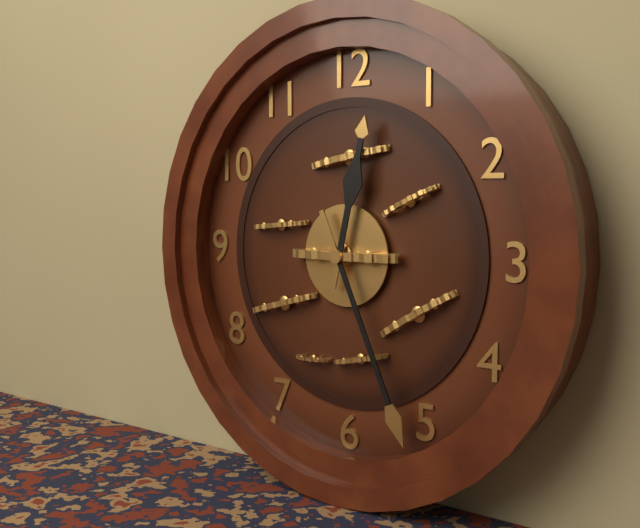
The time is 12:26
